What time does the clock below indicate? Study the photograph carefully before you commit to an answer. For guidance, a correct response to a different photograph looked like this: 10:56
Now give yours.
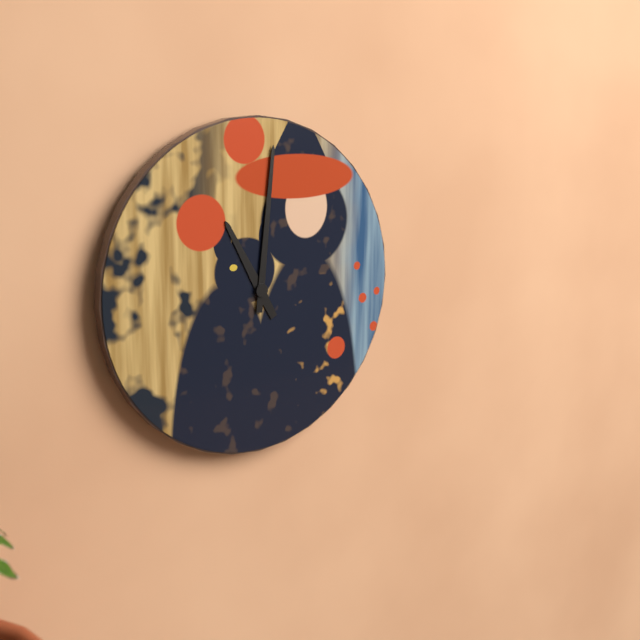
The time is 11:01
